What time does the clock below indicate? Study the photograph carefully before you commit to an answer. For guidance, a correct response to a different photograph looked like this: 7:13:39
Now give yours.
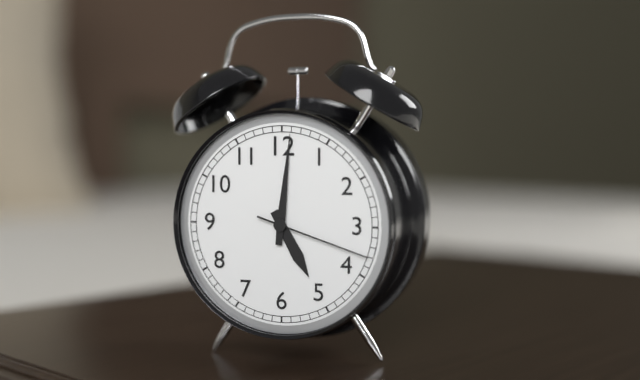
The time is 5:01:18
